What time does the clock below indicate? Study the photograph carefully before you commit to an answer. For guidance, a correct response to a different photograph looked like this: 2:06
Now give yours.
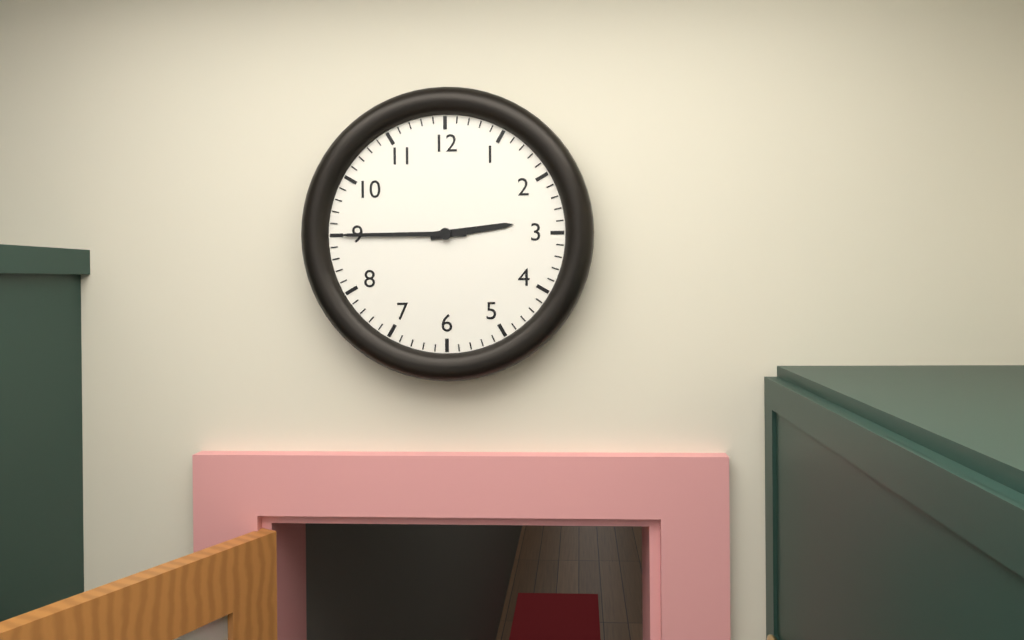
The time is 2:45
